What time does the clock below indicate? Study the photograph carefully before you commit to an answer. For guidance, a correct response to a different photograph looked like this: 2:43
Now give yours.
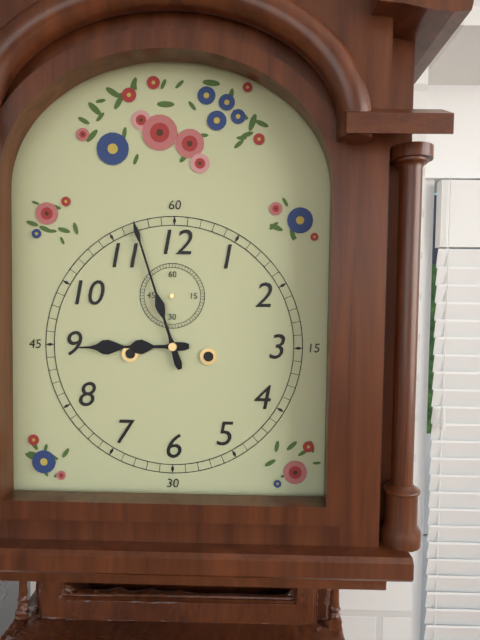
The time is 8:57
